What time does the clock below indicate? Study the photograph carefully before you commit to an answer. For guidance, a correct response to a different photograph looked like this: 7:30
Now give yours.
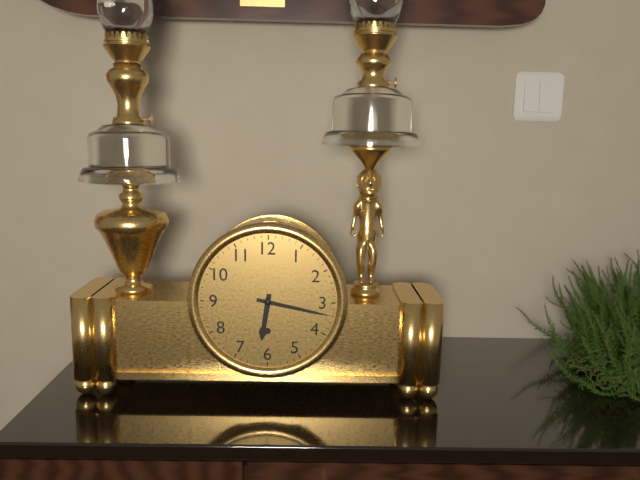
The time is 6:17
